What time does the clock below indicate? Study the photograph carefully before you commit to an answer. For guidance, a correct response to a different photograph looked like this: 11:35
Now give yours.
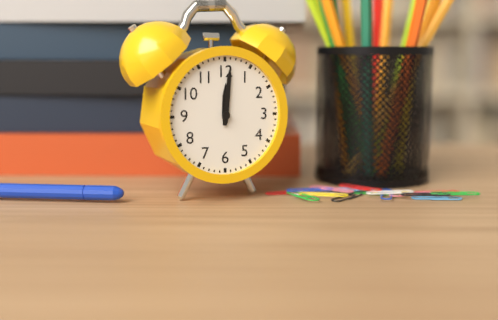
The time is 12:01
